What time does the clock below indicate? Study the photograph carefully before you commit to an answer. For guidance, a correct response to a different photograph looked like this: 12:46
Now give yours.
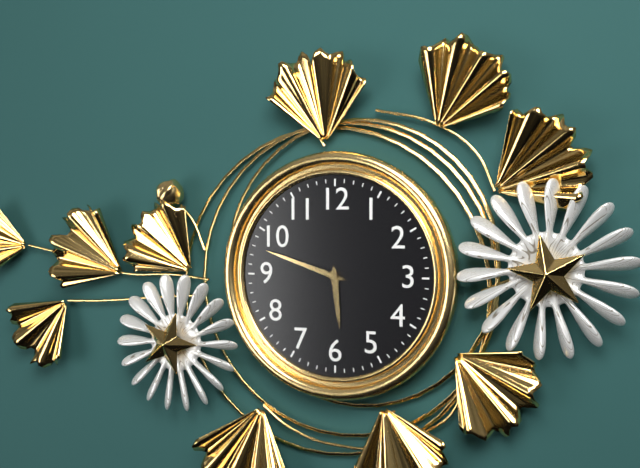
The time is 5:48
